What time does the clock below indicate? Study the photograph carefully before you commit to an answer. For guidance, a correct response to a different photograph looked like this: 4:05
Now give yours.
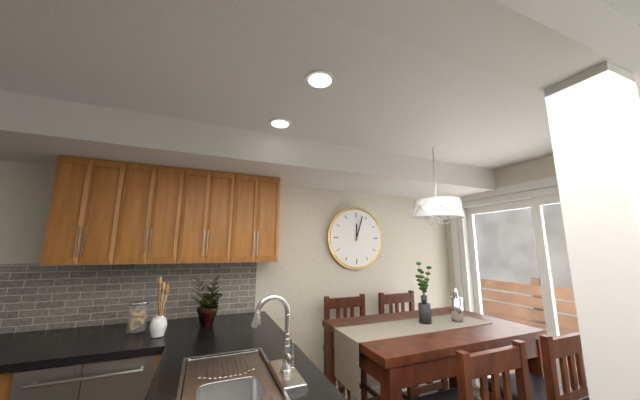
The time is 12:03
